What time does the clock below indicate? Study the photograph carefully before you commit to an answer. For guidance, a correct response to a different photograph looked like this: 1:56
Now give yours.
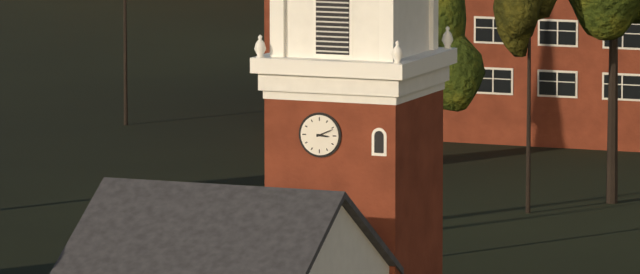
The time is 3:11
